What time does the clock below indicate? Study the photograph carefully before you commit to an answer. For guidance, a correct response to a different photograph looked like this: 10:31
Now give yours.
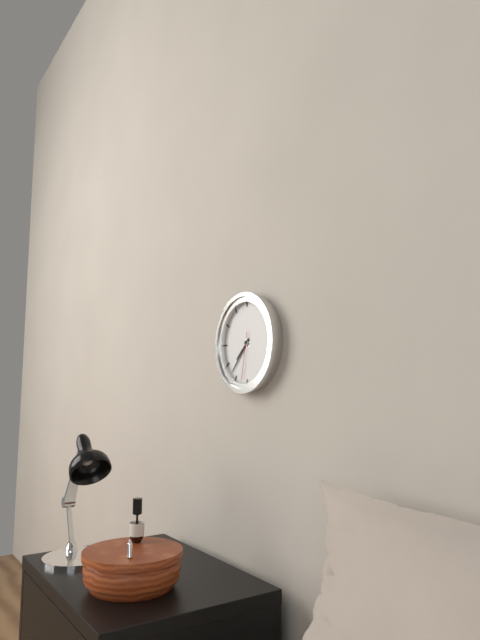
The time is 7:37
